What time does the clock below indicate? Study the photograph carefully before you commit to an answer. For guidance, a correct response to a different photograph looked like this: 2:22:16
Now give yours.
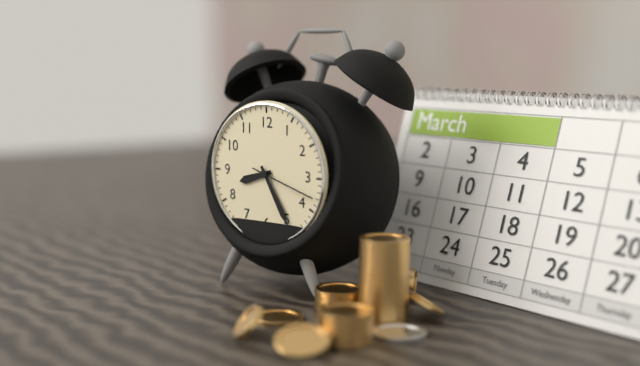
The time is 8:25:18
